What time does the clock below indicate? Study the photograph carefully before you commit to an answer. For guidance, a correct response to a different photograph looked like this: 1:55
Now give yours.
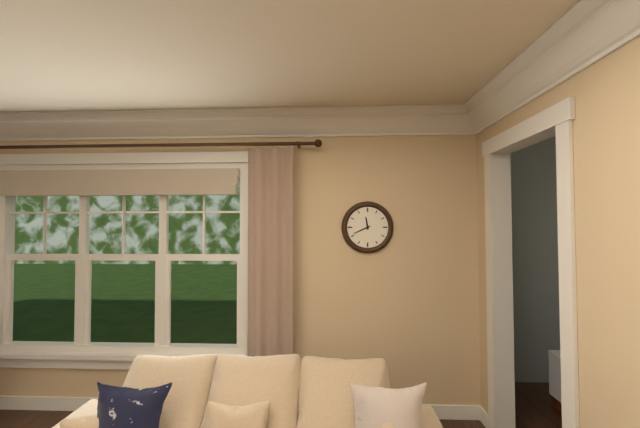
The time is 11:41
